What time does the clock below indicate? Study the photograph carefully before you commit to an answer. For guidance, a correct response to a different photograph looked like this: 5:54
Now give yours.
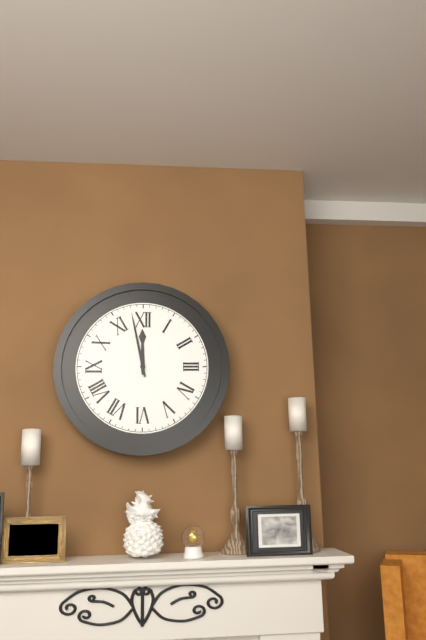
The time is 11:58
